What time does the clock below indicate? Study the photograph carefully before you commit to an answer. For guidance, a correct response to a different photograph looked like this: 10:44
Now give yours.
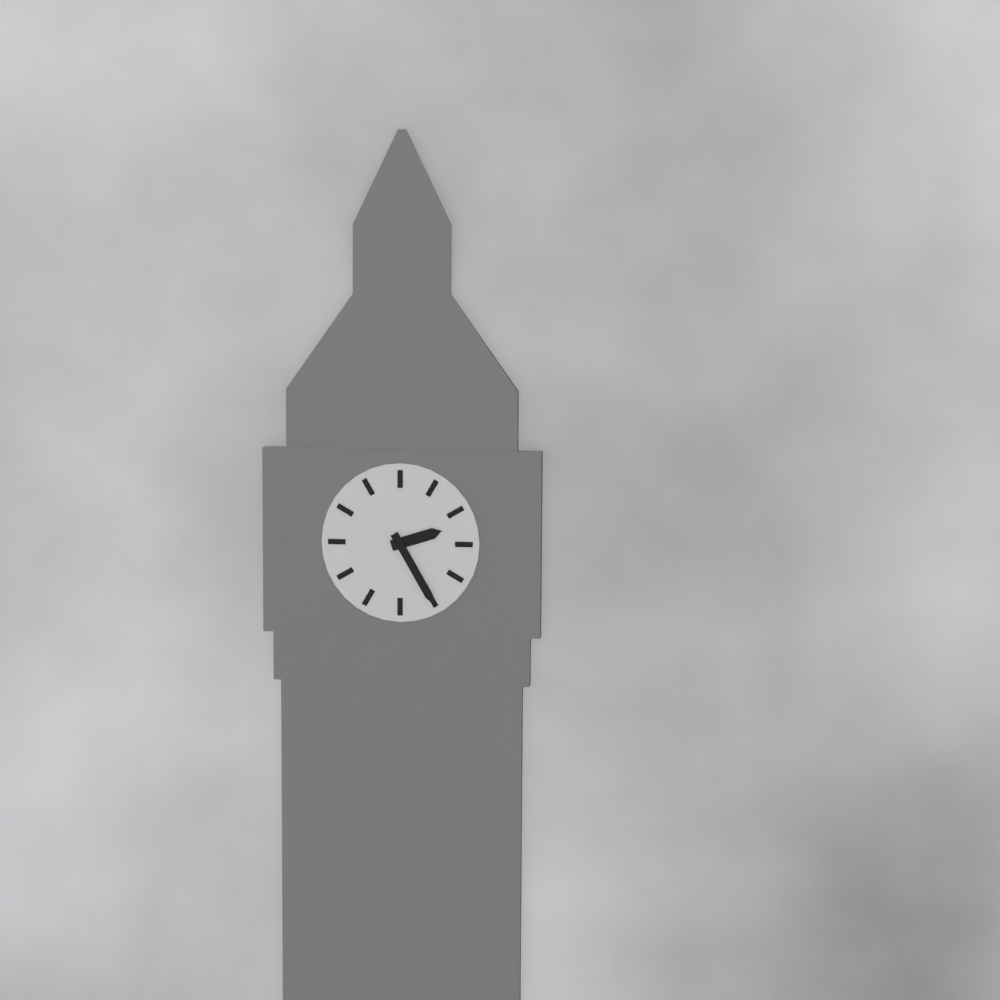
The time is 2:25
